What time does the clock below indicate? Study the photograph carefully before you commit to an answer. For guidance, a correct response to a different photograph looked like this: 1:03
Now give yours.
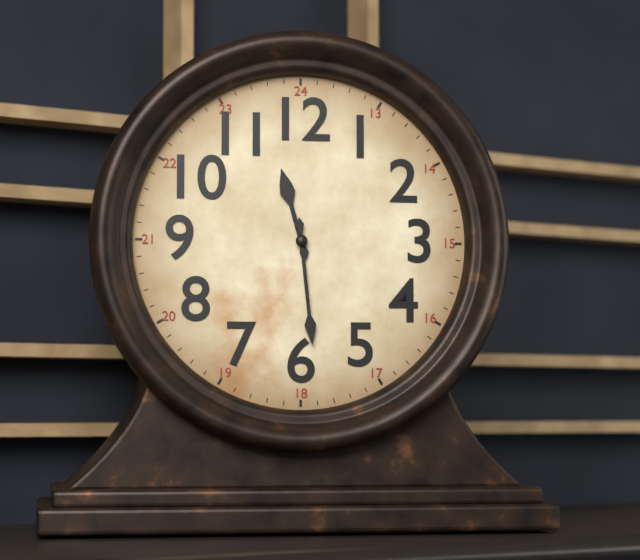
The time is 11:29
